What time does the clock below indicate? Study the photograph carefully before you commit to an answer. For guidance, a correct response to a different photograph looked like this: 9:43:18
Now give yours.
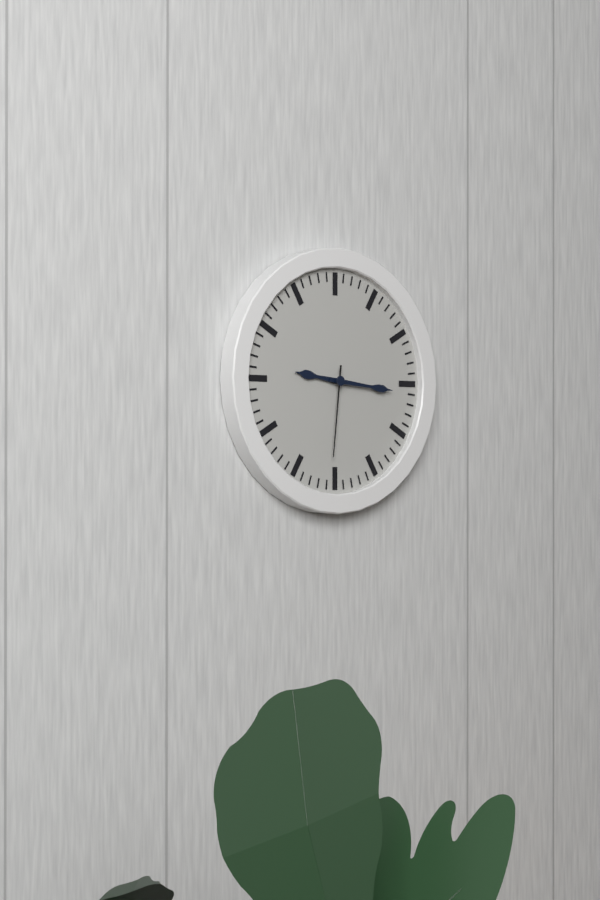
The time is 9:16:31
